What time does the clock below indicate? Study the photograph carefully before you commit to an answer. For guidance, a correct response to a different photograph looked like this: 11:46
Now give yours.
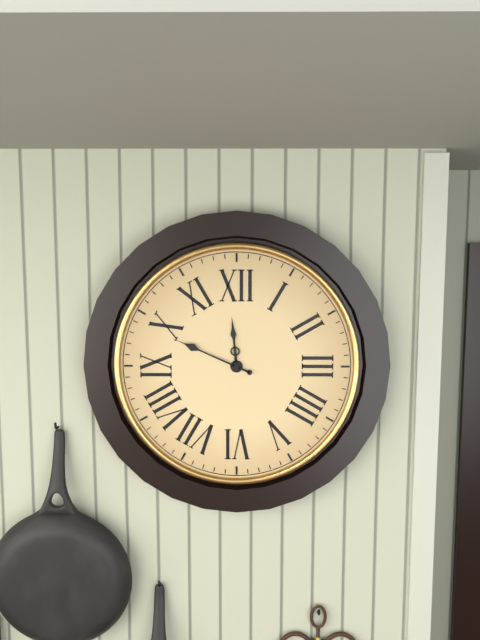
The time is 11:49
